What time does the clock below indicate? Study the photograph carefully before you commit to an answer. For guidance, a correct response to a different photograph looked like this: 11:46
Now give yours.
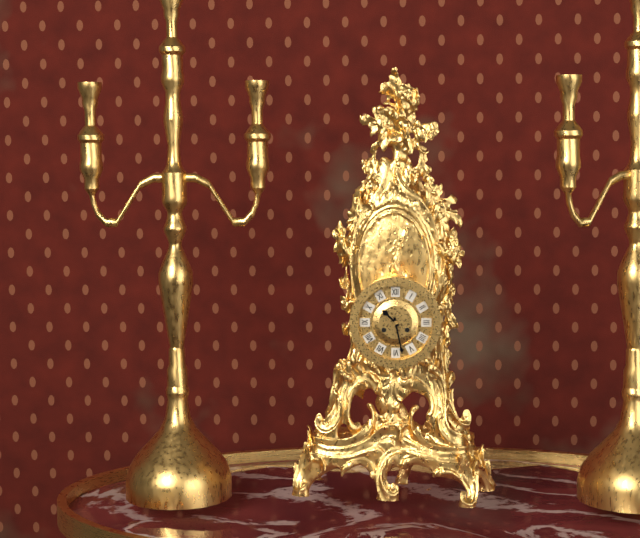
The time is 10:28
